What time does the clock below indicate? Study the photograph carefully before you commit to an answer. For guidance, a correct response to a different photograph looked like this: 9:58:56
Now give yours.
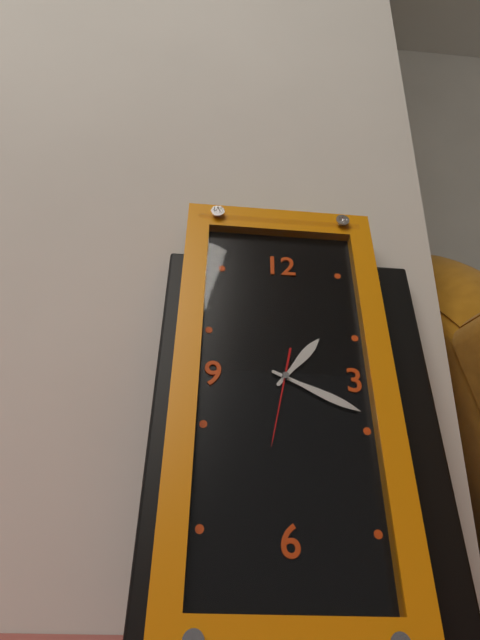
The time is 1:19:32
